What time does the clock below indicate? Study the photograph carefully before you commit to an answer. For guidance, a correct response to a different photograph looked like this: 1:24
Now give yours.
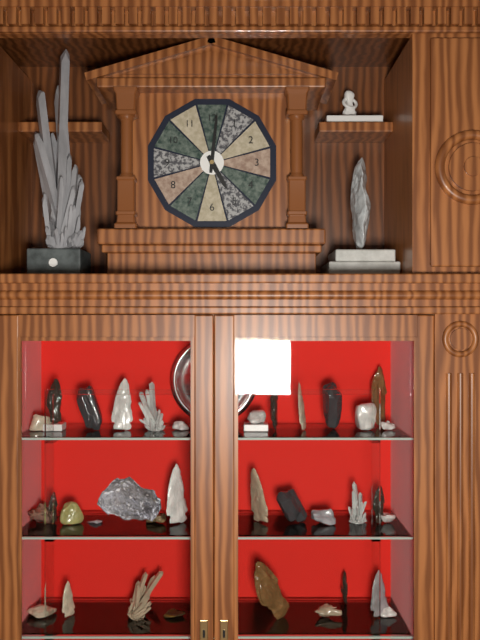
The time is 5:01
